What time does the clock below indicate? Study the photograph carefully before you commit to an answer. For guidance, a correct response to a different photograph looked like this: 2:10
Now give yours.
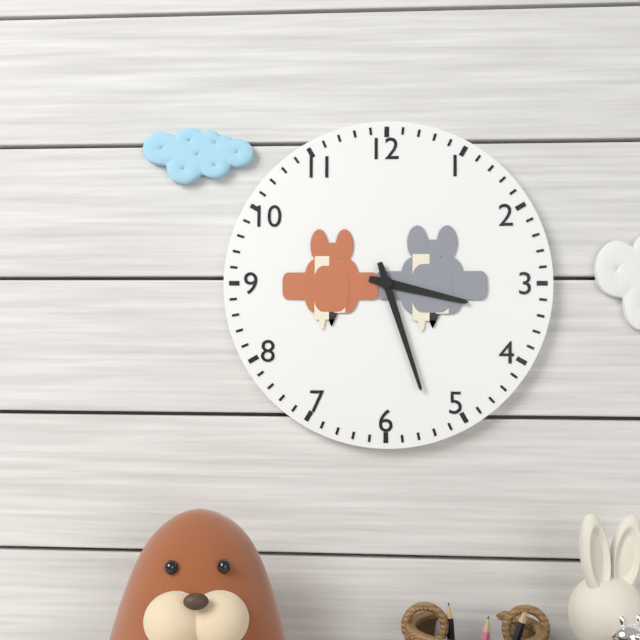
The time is 3:27
